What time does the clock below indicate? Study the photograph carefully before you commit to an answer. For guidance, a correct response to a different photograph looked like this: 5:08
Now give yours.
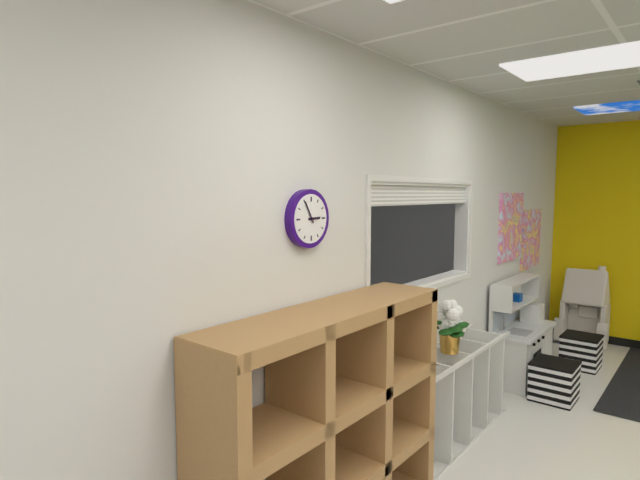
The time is 2:55
